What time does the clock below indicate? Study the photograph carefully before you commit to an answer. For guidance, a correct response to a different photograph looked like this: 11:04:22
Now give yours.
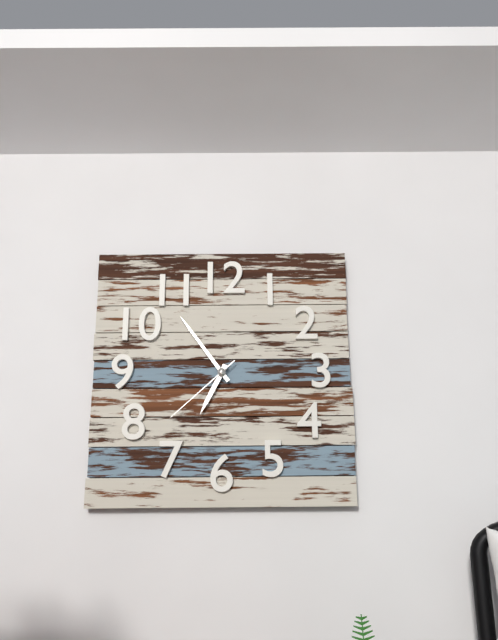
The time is 6:54:38
